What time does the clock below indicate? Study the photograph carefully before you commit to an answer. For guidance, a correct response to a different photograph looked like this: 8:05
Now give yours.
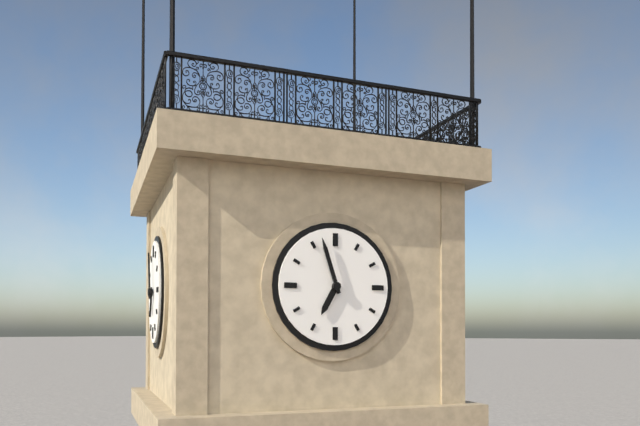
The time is 6:57
